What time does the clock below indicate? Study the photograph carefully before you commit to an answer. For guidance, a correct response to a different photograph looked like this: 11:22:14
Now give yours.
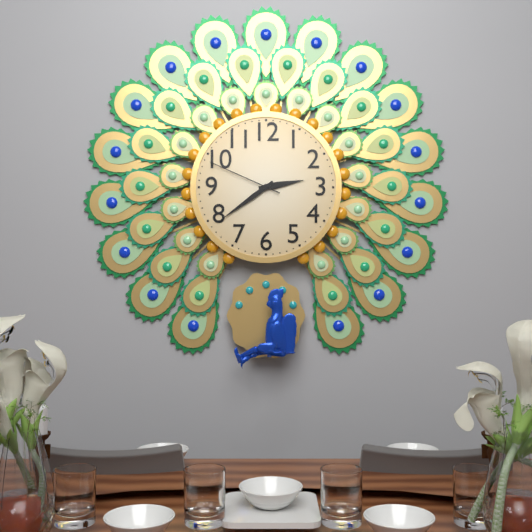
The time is 2:39:49
